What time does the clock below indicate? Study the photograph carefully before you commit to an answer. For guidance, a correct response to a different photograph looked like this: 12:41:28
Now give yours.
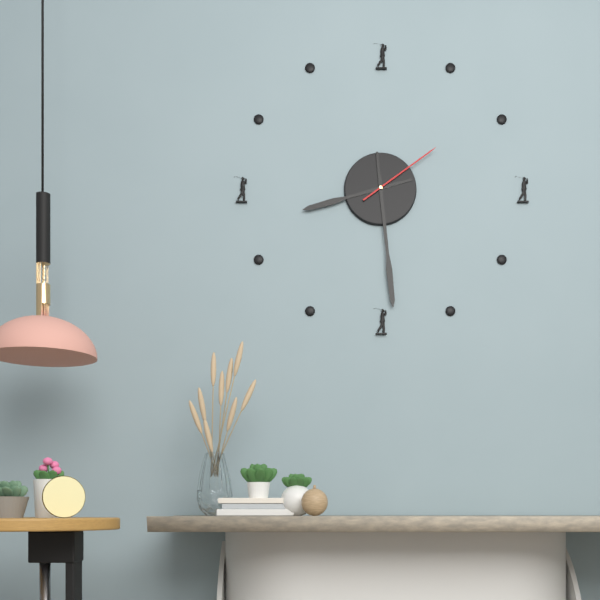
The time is 8:29:09
